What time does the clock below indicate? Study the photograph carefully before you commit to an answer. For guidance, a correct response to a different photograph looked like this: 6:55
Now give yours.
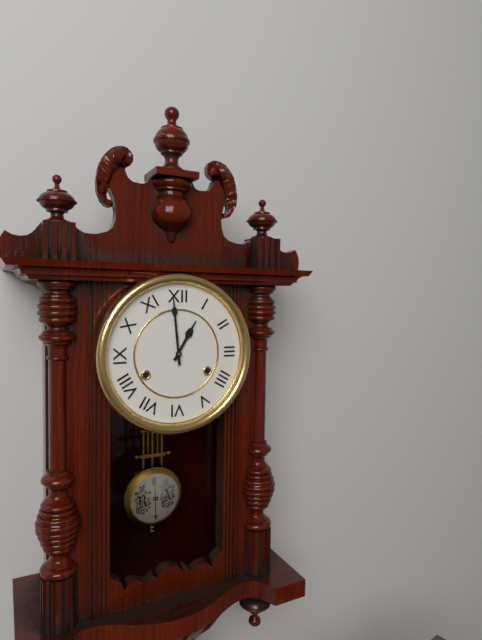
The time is 12:59
